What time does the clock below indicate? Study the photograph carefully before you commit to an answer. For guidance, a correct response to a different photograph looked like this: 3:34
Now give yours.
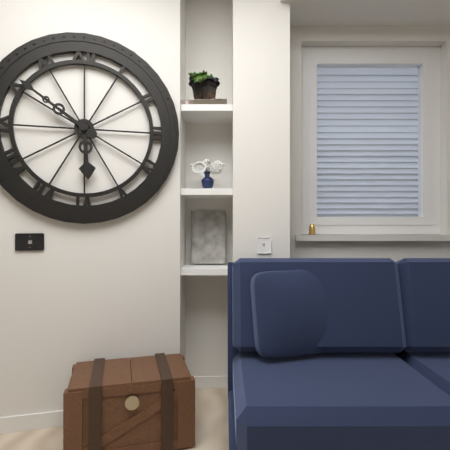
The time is 5:51
